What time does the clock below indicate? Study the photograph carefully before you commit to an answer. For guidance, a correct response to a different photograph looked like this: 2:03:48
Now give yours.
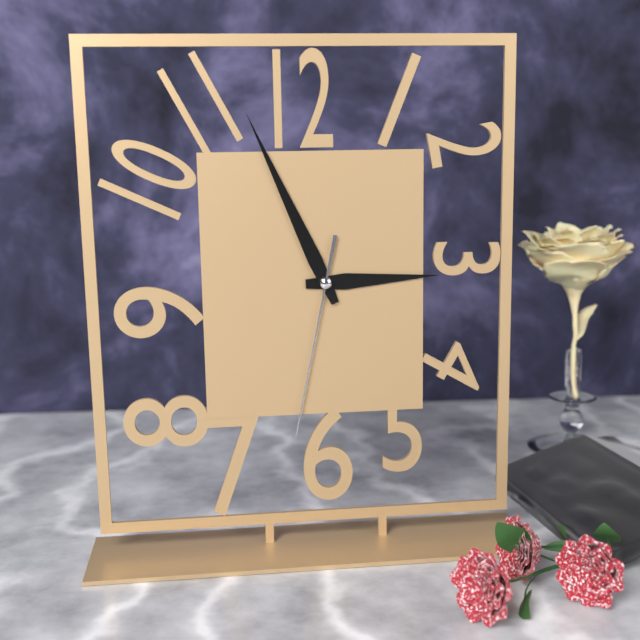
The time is 2:56:32
